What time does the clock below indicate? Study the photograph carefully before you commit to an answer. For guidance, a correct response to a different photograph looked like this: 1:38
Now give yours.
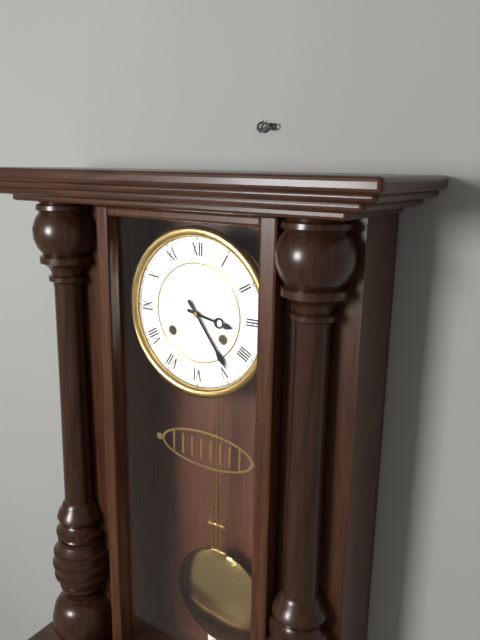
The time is 3:24
